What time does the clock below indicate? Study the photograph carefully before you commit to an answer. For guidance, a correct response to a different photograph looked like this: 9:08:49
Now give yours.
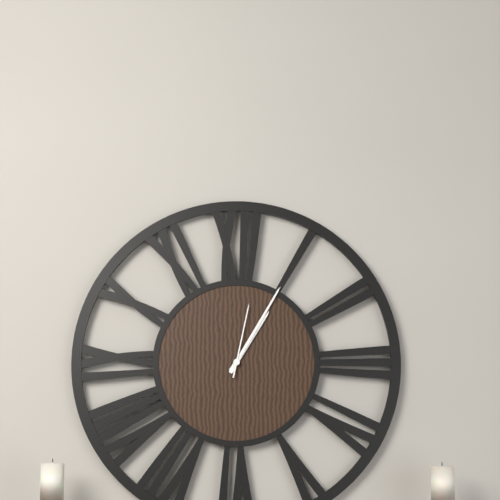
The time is 1:05:02
